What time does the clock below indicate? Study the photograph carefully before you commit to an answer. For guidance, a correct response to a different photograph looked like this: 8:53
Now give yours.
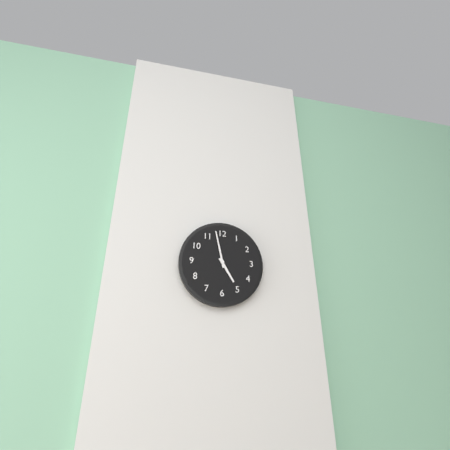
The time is 4:58
